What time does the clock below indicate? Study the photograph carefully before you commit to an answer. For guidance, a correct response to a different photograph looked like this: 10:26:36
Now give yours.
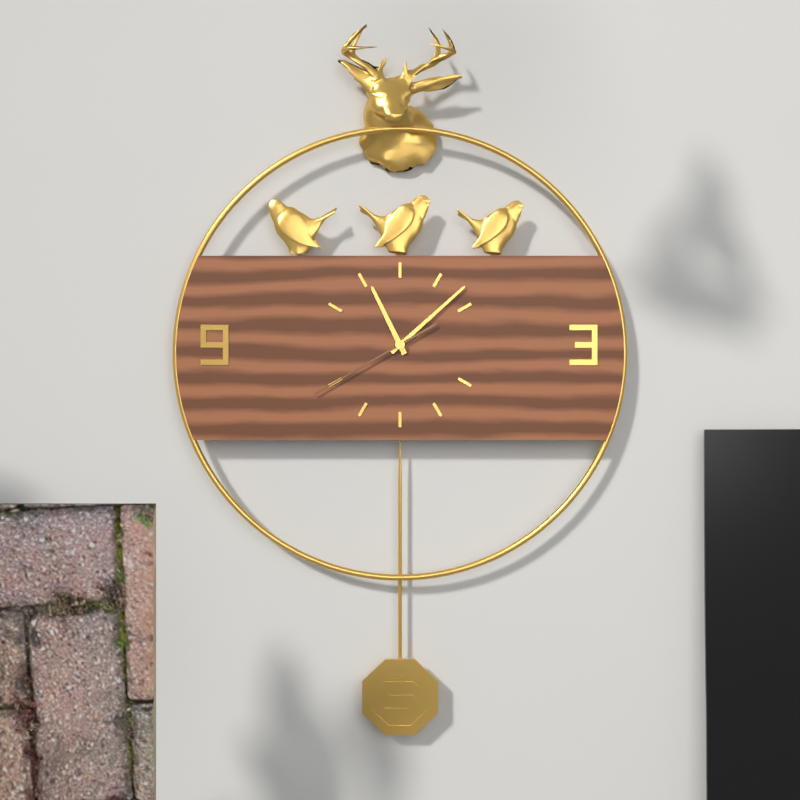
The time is 11:08:40
